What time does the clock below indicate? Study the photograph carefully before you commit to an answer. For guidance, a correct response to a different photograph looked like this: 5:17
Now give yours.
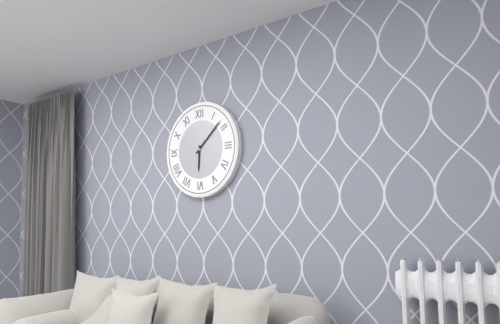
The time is 6:08
